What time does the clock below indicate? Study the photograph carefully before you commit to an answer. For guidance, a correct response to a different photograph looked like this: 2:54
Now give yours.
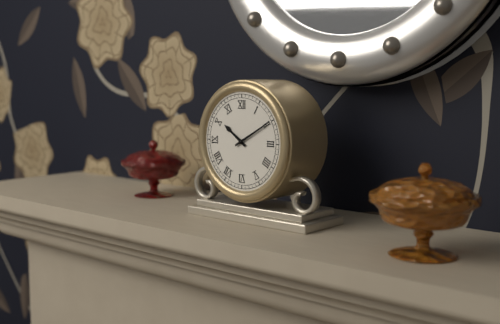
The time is 10:10
